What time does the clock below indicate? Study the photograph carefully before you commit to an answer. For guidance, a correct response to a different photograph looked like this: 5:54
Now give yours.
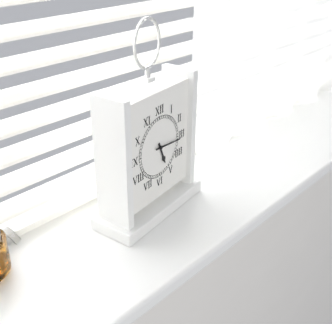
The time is 5:16
